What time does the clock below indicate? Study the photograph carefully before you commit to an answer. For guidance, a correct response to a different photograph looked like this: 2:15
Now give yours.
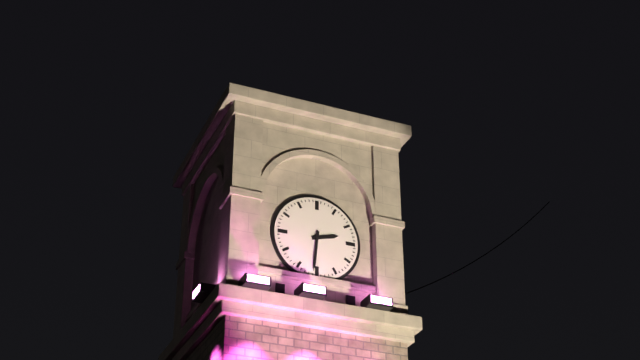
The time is 2:31
